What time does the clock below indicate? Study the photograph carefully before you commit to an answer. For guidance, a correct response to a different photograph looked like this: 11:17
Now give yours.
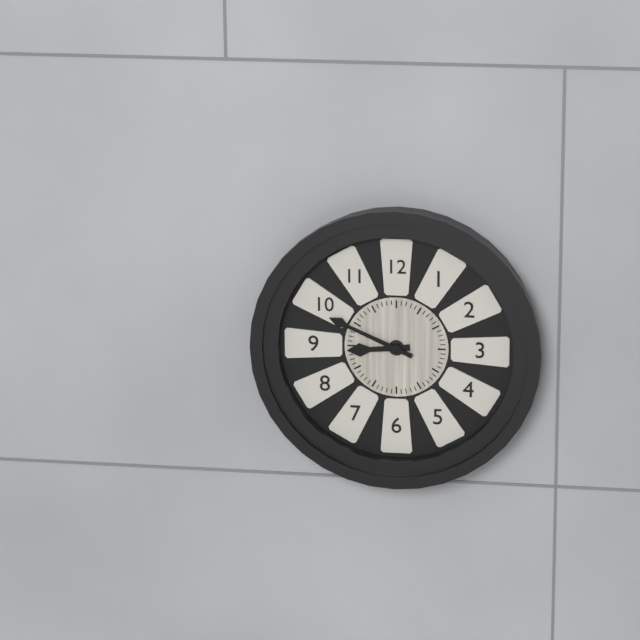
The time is 8:49
